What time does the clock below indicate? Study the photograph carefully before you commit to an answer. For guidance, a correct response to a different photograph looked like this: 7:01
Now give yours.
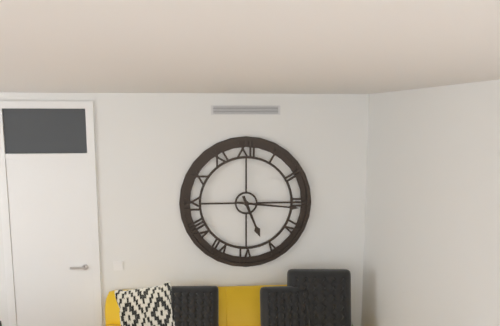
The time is 5:16
